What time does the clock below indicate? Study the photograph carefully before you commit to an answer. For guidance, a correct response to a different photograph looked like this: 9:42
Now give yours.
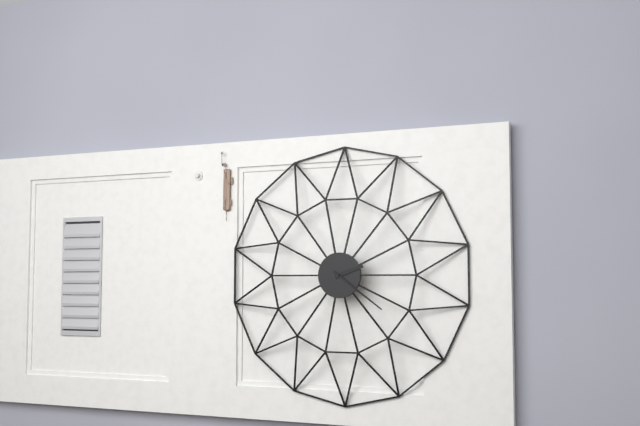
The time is 2:21
